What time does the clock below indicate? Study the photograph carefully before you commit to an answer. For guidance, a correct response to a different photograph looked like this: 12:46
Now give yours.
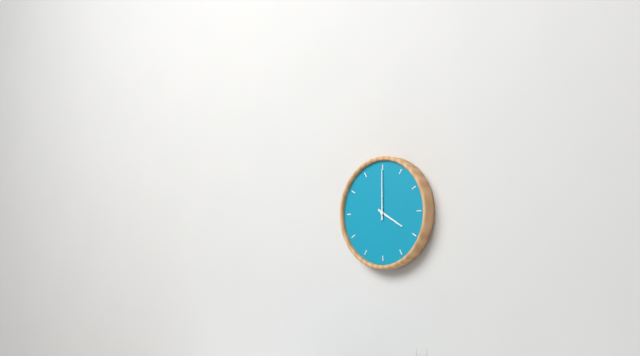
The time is 4:00
